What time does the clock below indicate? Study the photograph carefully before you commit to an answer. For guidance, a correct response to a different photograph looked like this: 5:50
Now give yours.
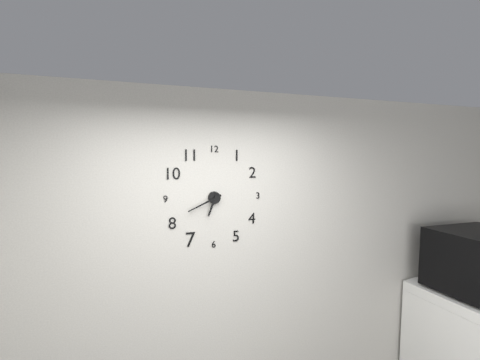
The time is 6:41
